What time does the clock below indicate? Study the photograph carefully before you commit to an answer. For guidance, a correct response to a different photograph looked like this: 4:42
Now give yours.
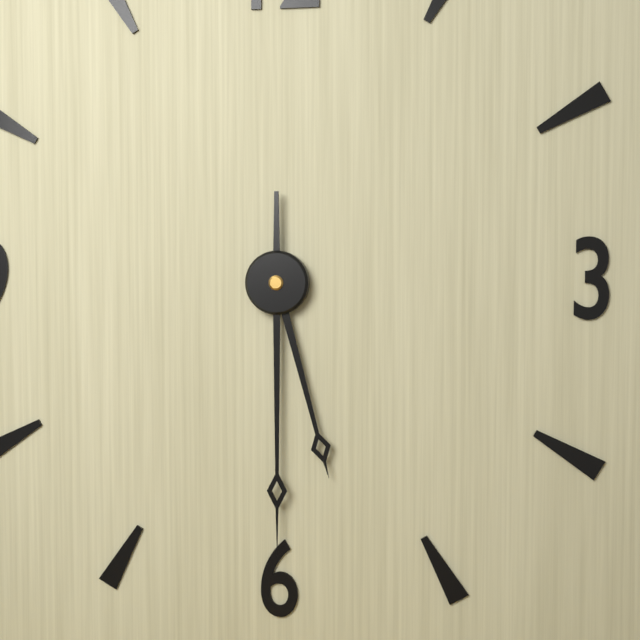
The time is 5:30
